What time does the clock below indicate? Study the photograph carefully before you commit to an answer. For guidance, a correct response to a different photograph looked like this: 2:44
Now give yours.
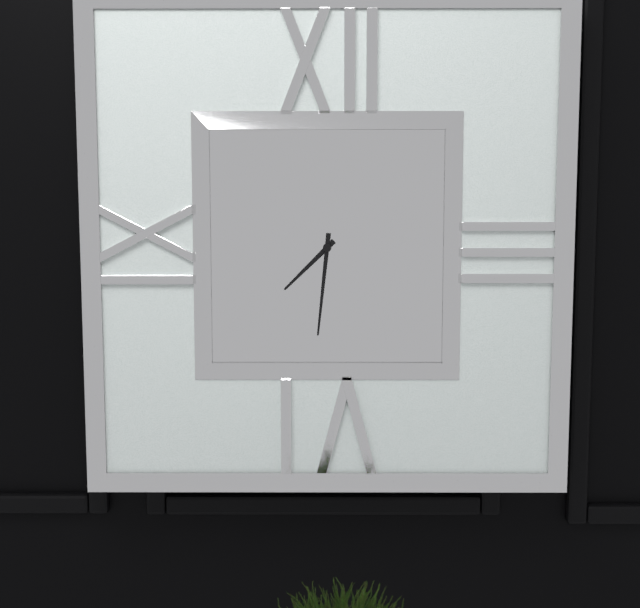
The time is 7:31
